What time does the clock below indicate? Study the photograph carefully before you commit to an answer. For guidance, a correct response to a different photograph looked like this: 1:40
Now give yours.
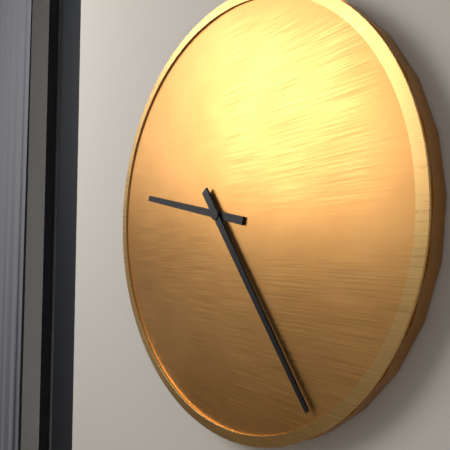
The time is 9:24
